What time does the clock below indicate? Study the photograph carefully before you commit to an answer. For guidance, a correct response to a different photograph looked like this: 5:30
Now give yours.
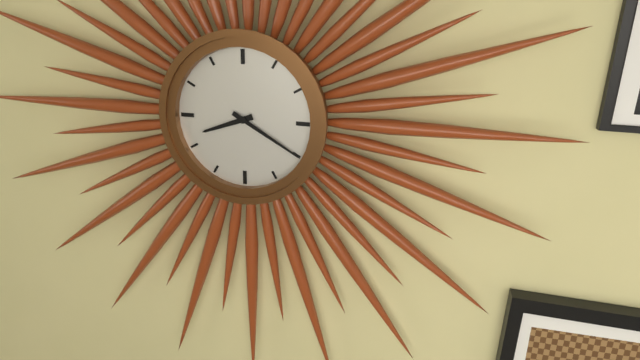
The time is 8:20
